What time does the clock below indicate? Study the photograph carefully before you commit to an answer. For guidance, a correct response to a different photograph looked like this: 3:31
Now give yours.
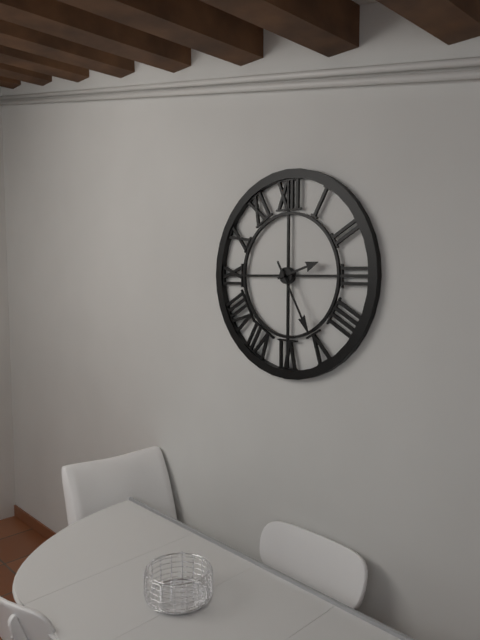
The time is 2:25
